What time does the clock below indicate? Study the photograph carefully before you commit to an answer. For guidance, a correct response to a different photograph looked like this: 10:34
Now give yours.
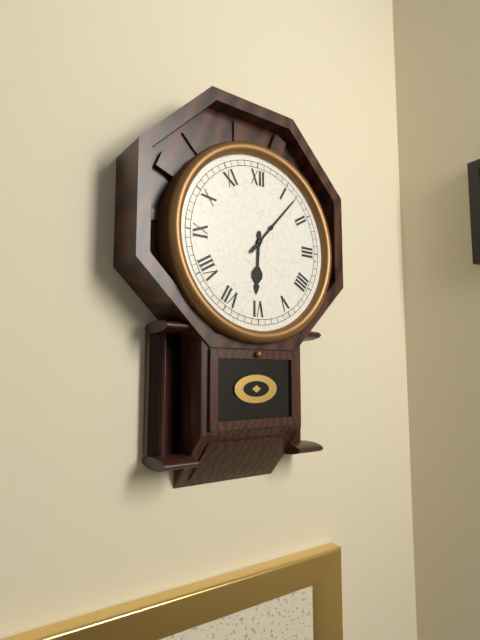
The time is 6:07
